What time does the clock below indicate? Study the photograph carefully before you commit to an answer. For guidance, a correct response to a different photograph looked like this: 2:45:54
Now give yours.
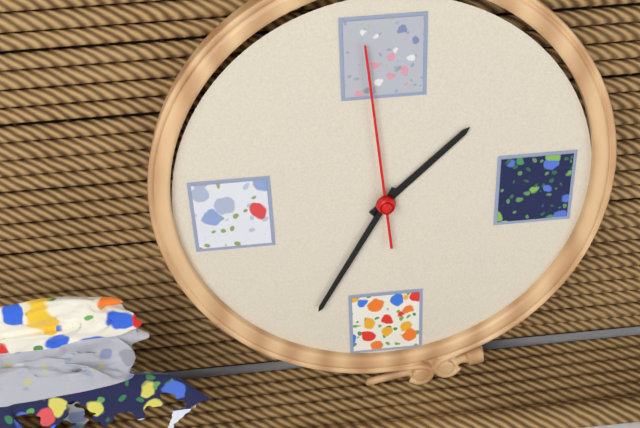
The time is 1:35:59
